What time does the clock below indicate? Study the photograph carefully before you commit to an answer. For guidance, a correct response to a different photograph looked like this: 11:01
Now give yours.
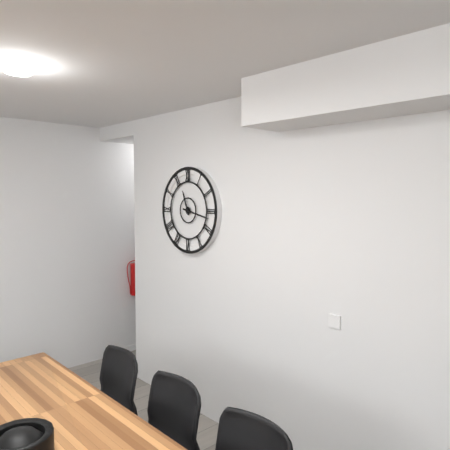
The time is 11:17
